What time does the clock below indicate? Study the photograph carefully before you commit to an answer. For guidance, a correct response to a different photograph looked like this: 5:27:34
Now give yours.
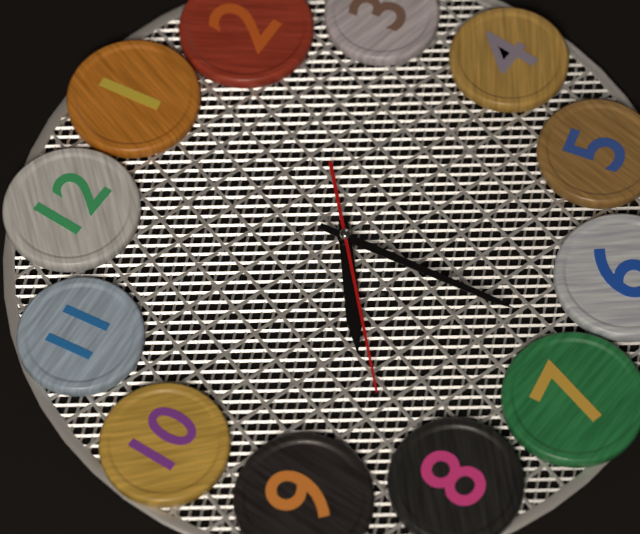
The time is 8:33:42
